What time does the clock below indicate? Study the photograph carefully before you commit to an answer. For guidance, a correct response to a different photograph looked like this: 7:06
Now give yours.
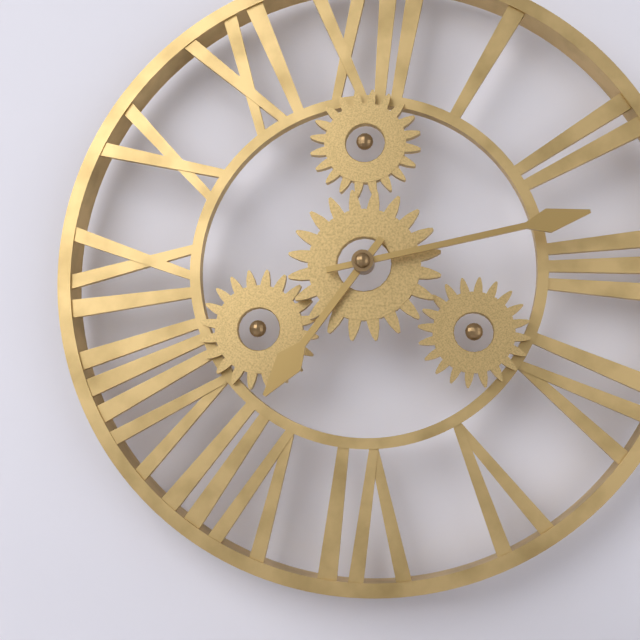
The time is 7:13
